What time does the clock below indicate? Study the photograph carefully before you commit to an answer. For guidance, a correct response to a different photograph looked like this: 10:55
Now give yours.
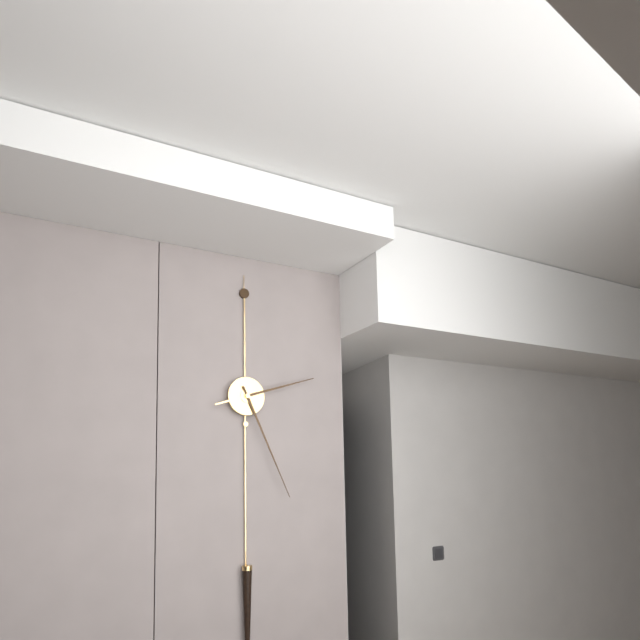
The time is 2:26
